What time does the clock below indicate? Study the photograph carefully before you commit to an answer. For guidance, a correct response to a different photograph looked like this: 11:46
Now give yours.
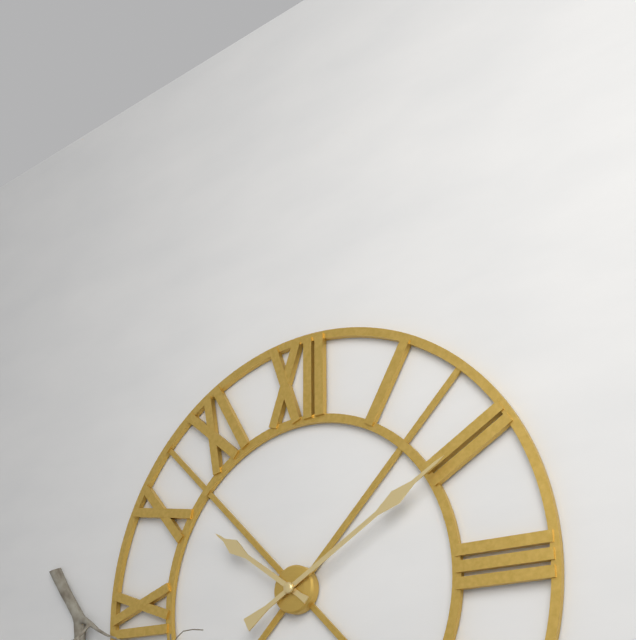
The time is 10:10
